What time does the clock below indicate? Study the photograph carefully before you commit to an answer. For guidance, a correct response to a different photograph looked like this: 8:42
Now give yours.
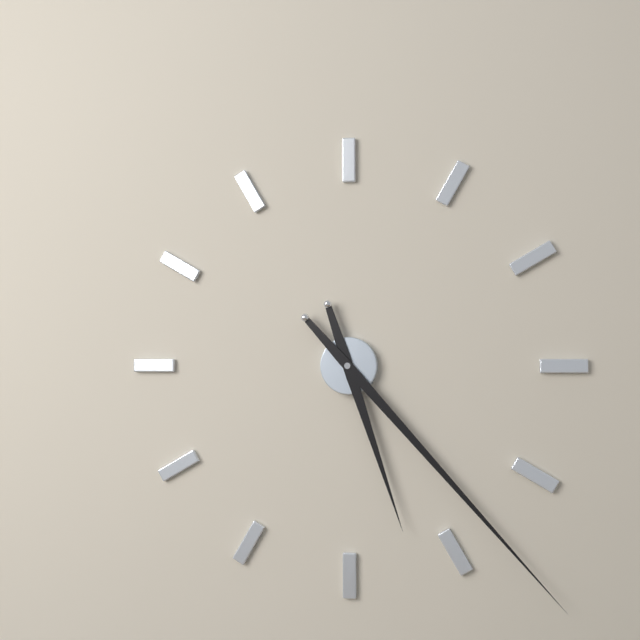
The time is 5:23
